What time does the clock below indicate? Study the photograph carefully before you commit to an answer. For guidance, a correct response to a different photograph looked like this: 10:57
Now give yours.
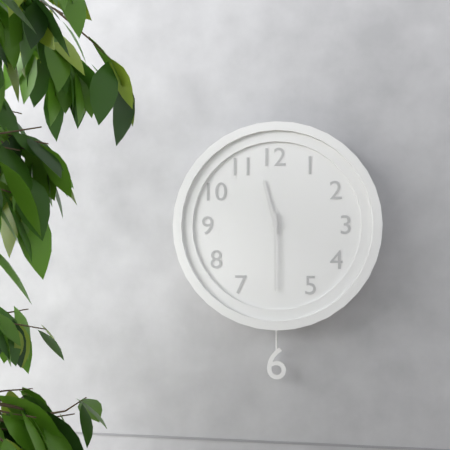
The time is 11:30
